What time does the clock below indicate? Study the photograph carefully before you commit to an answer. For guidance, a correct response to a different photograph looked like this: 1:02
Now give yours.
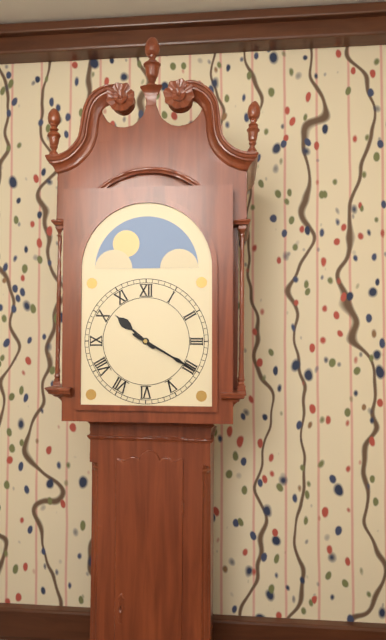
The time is 10:20
